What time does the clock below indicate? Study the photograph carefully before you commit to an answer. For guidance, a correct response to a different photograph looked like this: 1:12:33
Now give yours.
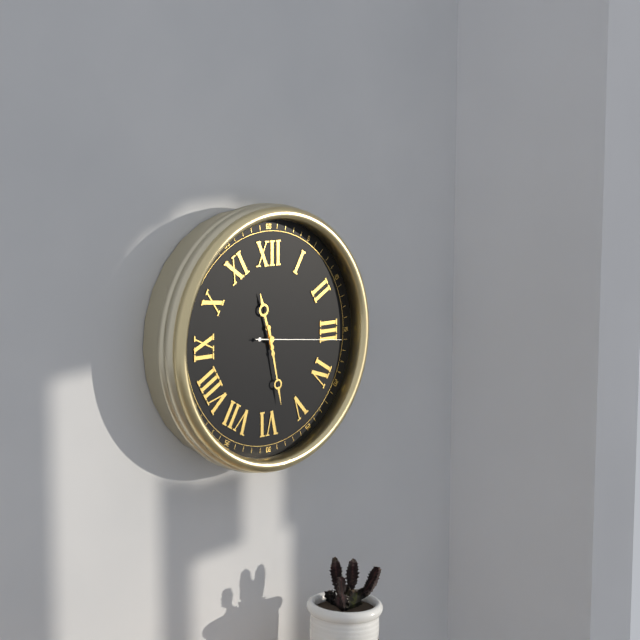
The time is 11:28:16
